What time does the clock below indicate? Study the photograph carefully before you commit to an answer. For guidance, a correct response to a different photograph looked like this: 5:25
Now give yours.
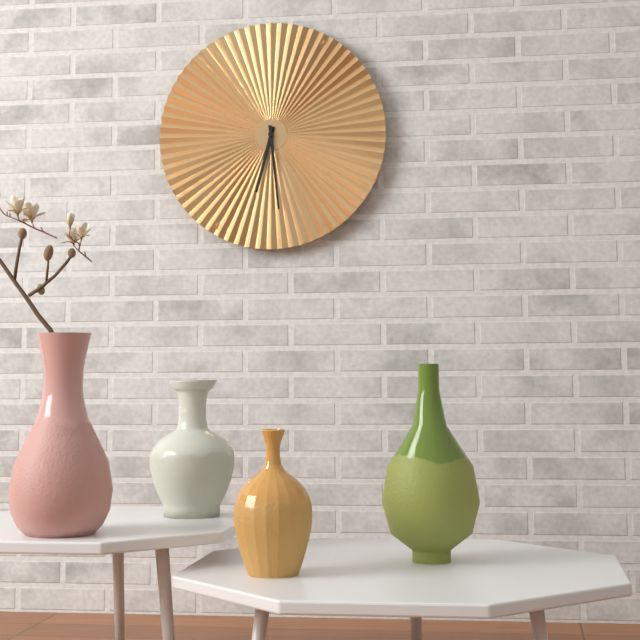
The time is 6:29
